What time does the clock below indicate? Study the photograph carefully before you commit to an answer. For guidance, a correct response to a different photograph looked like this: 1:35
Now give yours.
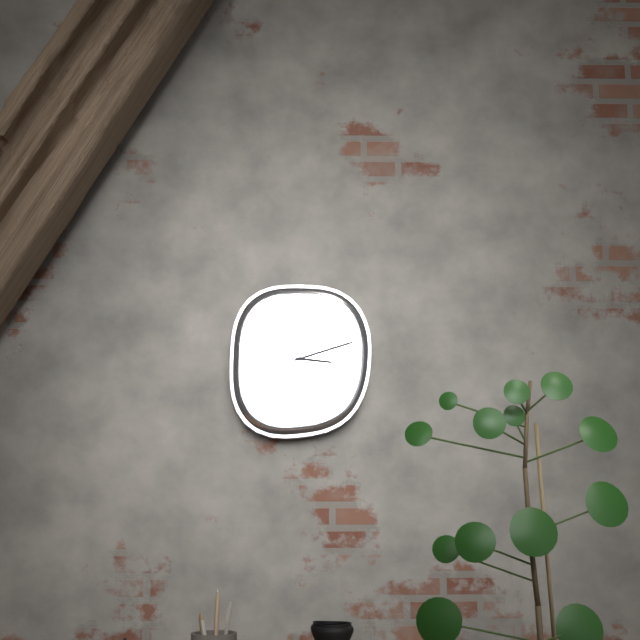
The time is 3:12
